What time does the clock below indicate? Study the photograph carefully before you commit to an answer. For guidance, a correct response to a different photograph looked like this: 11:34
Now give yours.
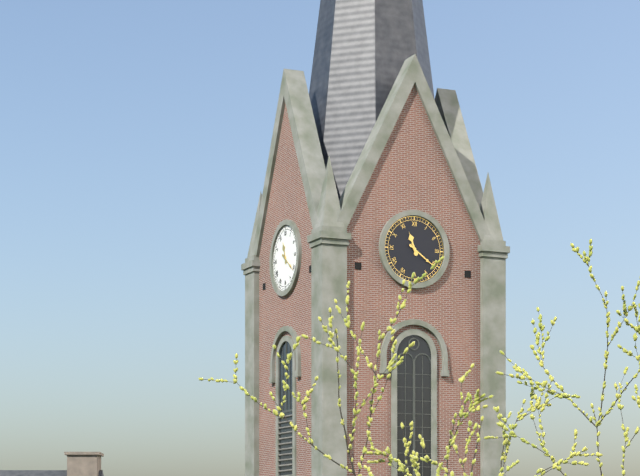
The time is 11:21
